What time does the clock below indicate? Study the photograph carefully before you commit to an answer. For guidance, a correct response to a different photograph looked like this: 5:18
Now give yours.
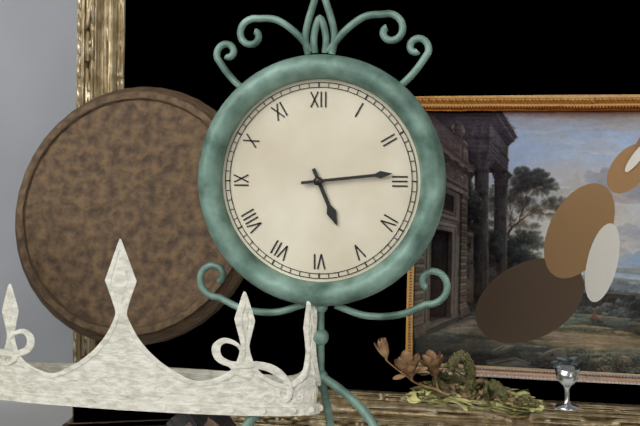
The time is 5:14
